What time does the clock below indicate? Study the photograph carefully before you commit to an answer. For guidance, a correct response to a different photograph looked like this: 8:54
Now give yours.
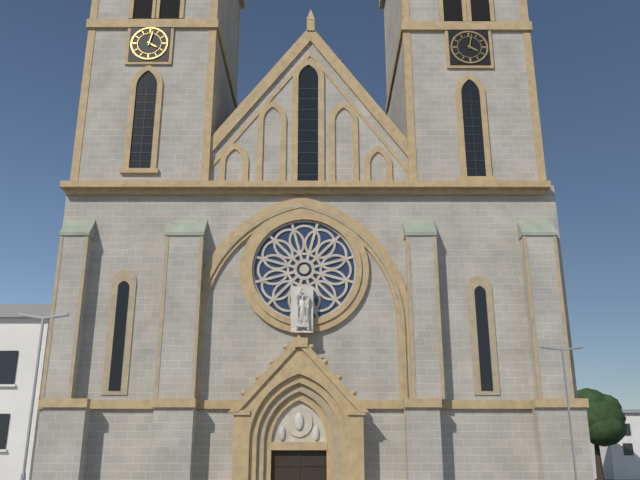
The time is 4:02
